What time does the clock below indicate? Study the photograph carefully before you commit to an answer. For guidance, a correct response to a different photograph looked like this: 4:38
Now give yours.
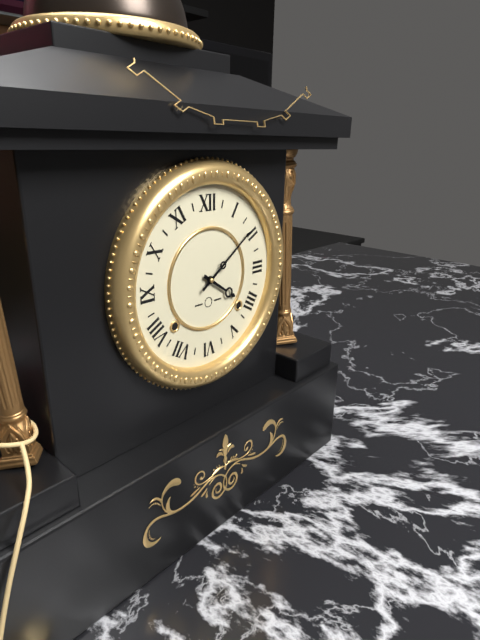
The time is 4:09
